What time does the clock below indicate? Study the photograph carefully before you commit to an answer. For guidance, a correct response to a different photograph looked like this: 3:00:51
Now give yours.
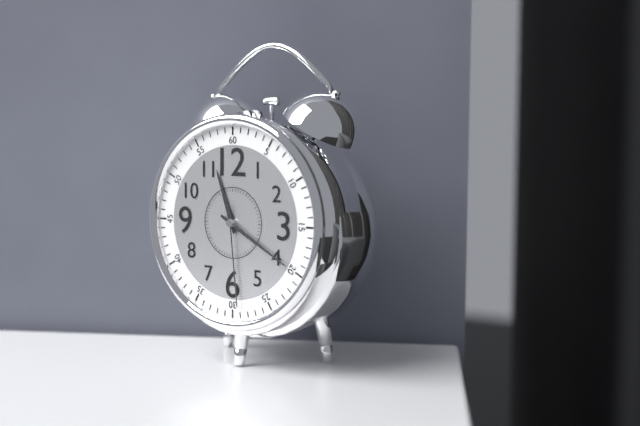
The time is 11:20:29
